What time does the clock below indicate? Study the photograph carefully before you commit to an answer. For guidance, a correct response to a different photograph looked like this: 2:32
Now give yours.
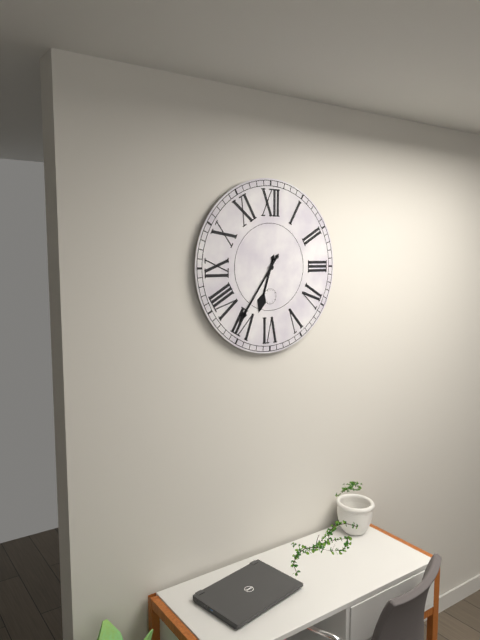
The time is 6:36
